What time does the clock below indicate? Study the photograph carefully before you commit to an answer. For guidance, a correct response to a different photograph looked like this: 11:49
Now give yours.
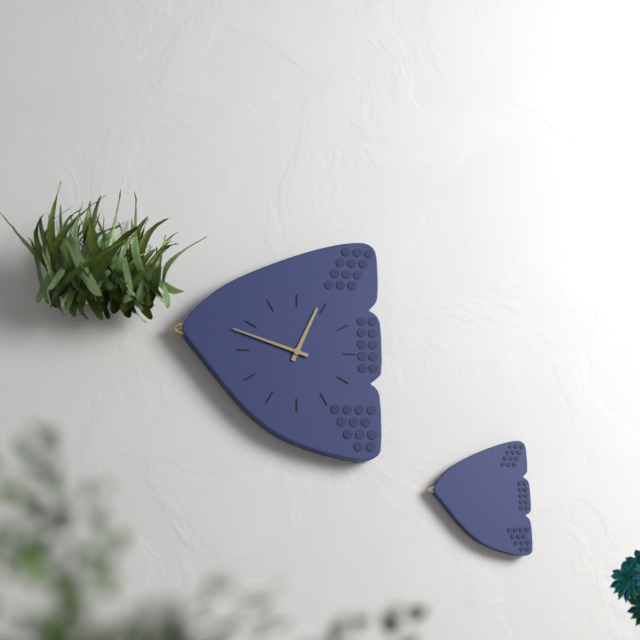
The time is 12:48
